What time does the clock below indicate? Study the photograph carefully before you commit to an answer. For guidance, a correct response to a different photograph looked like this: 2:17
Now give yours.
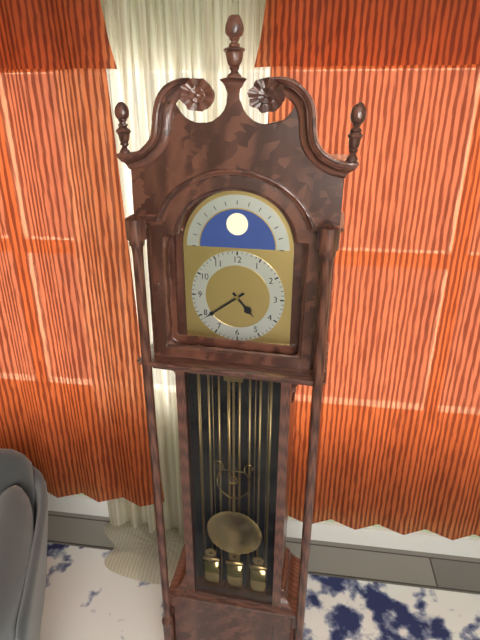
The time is 4:39
